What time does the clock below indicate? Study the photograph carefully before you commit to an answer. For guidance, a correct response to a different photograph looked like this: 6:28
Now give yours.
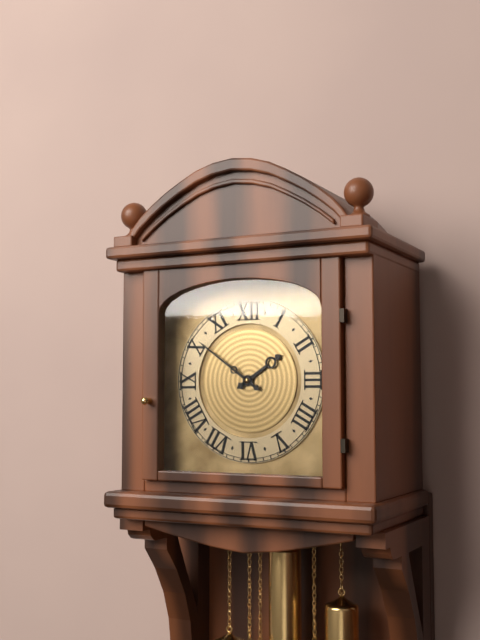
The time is 1:51
